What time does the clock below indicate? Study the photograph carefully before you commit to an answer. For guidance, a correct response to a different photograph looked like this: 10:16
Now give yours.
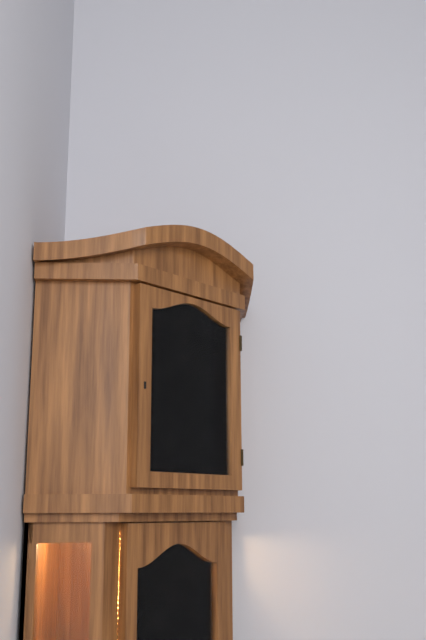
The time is 5:01
